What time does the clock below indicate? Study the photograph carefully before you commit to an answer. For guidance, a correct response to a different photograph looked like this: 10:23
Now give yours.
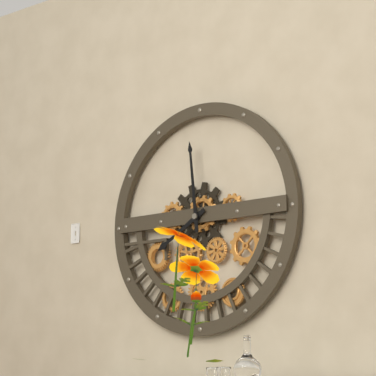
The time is 7:59
